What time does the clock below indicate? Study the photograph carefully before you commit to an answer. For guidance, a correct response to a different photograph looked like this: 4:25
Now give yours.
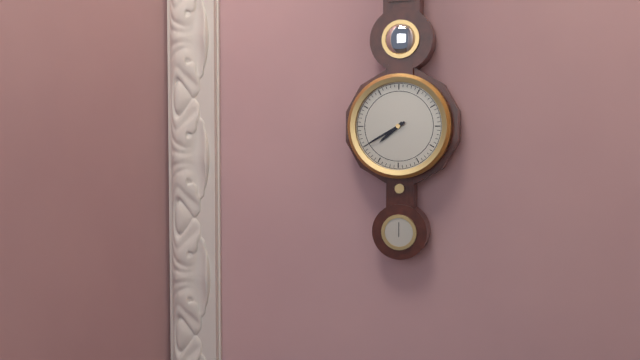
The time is 7:40
